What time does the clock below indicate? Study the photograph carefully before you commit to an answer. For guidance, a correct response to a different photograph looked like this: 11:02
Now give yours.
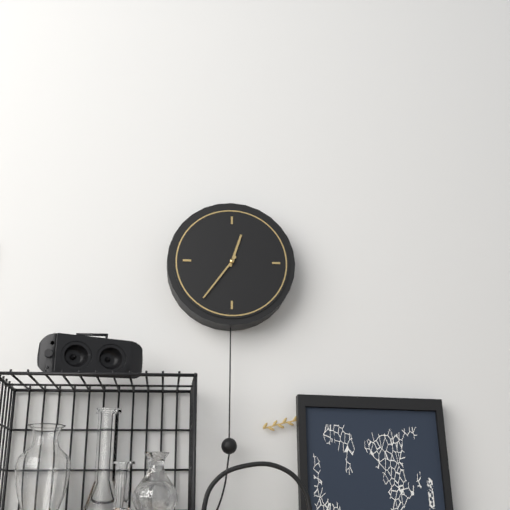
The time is 12:36
